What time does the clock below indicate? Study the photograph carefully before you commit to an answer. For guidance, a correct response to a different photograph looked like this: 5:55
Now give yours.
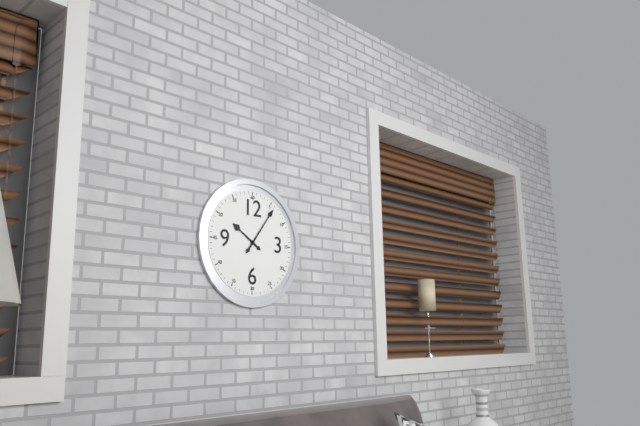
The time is 10:06
